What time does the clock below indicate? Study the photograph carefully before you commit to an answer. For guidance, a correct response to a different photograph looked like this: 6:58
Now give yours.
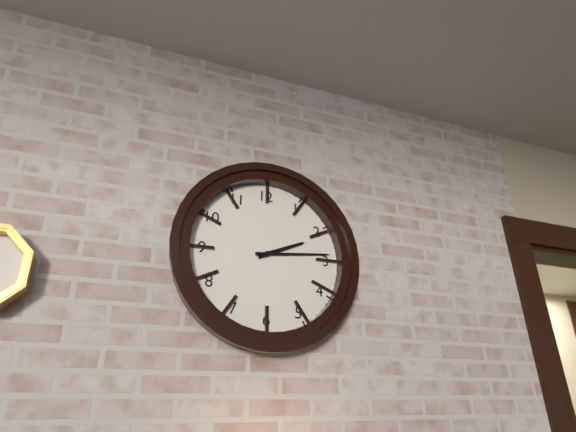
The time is 2:14
